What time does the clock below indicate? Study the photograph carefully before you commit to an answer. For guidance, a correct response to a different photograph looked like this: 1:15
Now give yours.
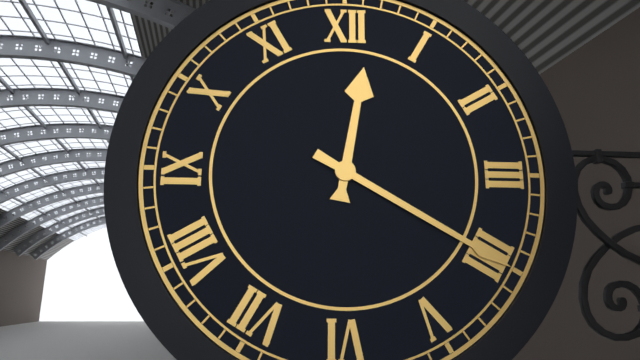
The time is 12:20
